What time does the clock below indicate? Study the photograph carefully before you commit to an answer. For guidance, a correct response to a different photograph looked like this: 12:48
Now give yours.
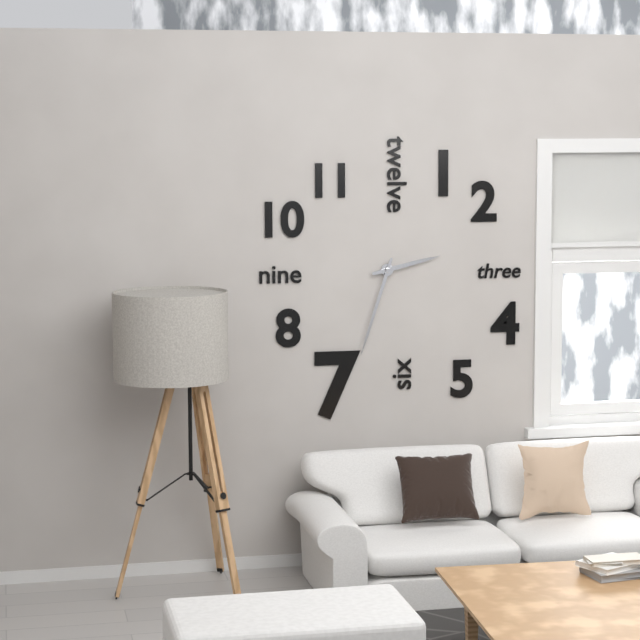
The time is 2:33
